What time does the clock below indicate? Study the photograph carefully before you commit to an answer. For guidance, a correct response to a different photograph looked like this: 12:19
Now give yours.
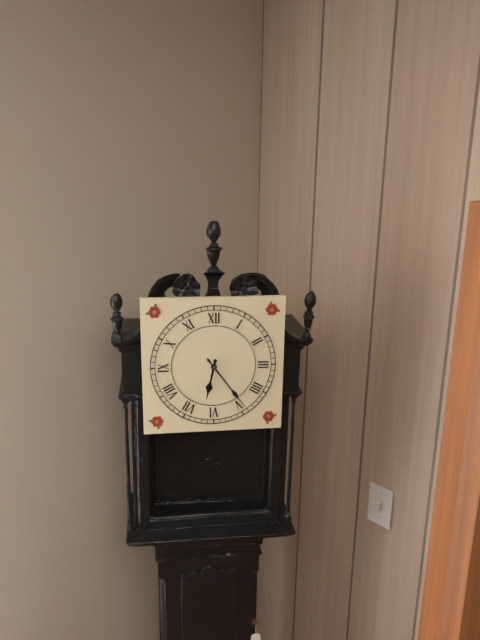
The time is 6:24
